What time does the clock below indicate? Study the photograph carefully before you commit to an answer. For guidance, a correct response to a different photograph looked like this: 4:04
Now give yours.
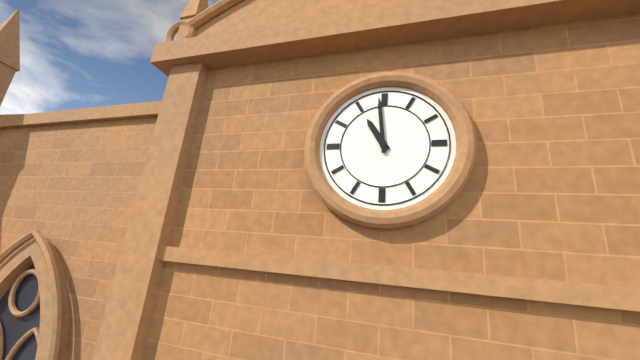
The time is 10:59
